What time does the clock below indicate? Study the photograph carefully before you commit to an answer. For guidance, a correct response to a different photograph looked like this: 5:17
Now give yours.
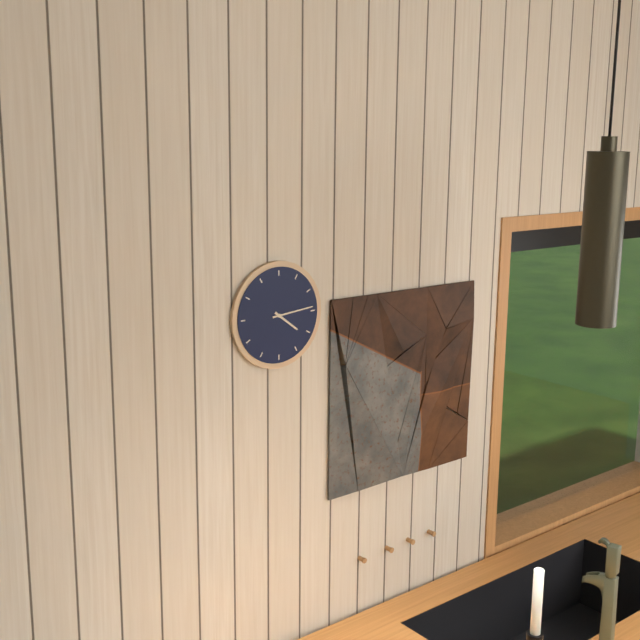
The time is 4:14
